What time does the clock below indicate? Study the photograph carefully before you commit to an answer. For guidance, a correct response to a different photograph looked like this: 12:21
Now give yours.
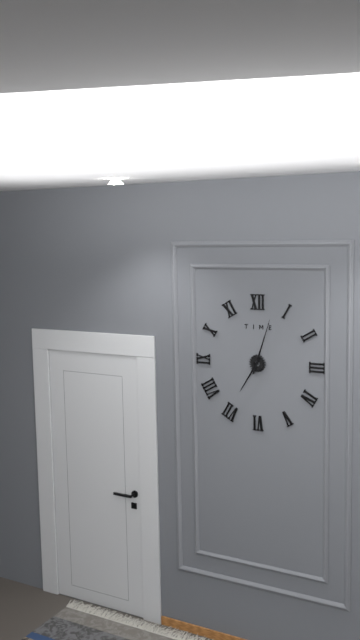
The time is 7:03
